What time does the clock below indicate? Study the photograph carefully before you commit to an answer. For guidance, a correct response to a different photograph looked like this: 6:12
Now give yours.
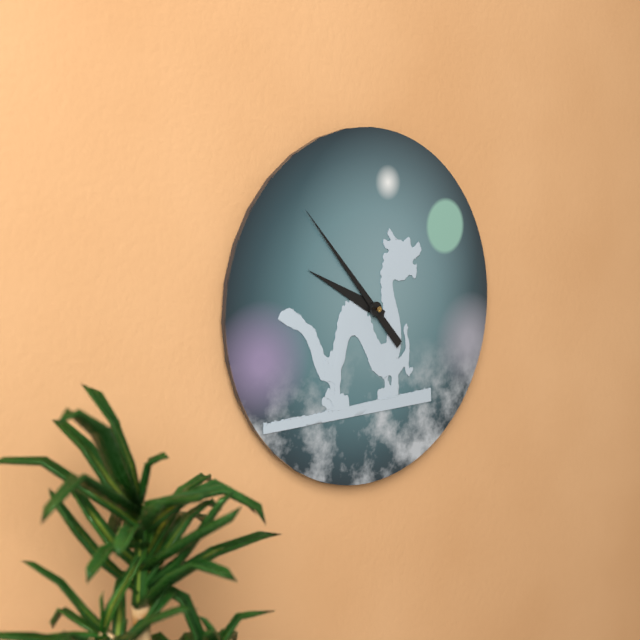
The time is 9:53
